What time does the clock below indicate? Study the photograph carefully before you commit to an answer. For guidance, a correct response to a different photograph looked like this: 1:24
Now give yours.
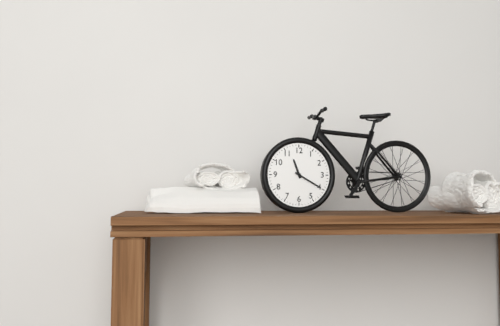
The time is 11:20
